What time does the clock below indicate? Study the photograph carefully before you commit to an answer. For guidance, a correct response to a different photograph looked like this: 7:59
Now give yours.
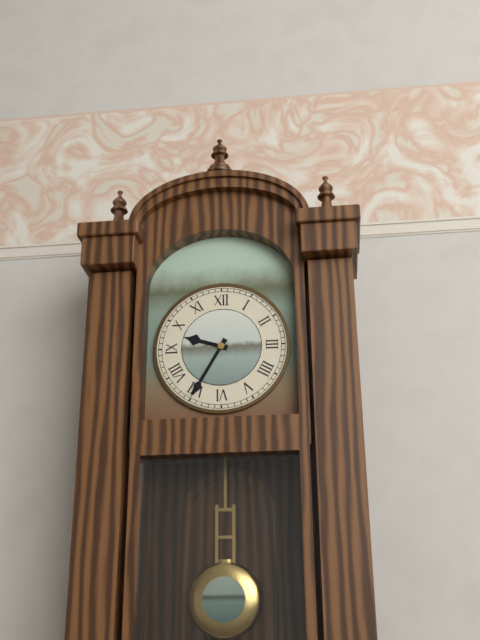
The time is 9:35
